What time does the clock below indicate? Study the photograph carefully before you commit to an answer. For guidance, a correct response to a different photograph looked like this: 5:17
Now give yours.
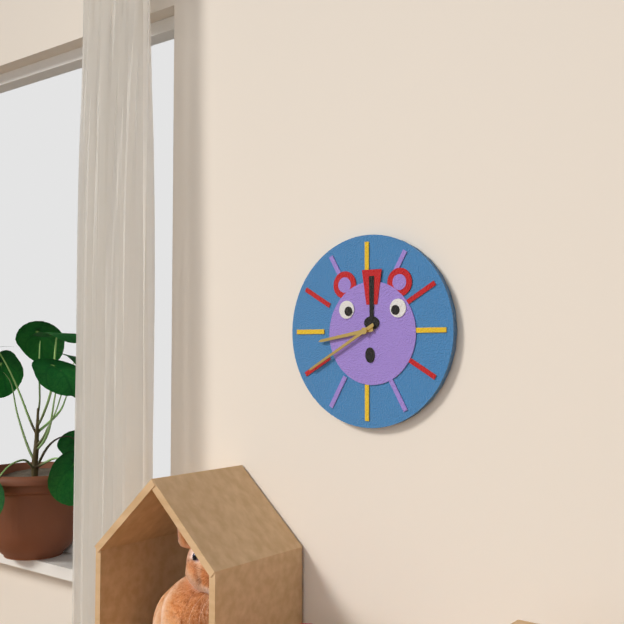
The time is 8:40
